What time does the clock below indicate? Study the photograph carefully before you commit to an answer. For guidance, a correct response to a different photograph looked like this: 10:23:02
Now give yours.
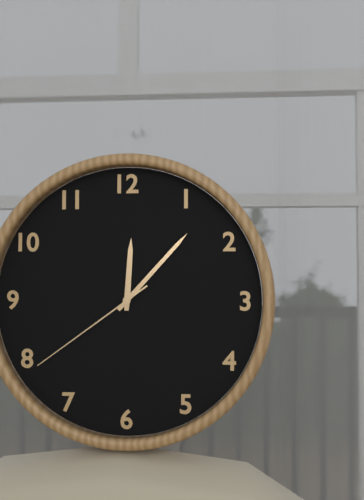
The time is 12:07:39
